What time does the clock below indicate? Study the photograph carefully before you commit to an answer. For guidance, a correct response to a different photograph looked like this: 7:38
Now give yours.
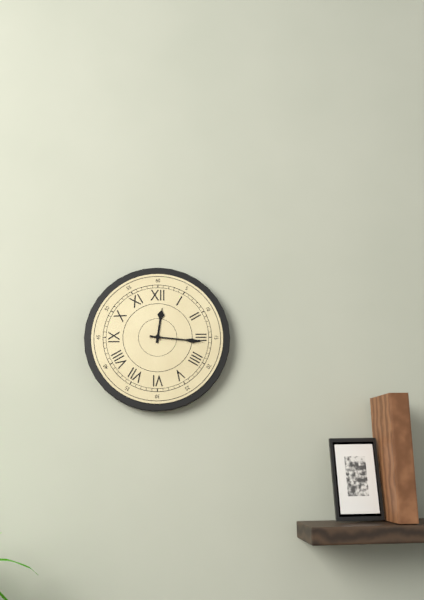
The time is 12:16
